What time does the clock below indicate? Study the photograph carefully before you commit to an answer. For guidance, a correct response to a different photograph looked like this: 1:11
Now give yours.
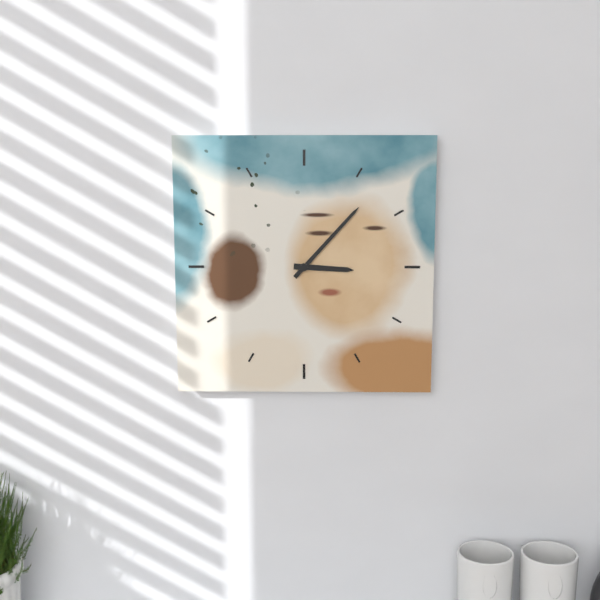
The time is 3:07
